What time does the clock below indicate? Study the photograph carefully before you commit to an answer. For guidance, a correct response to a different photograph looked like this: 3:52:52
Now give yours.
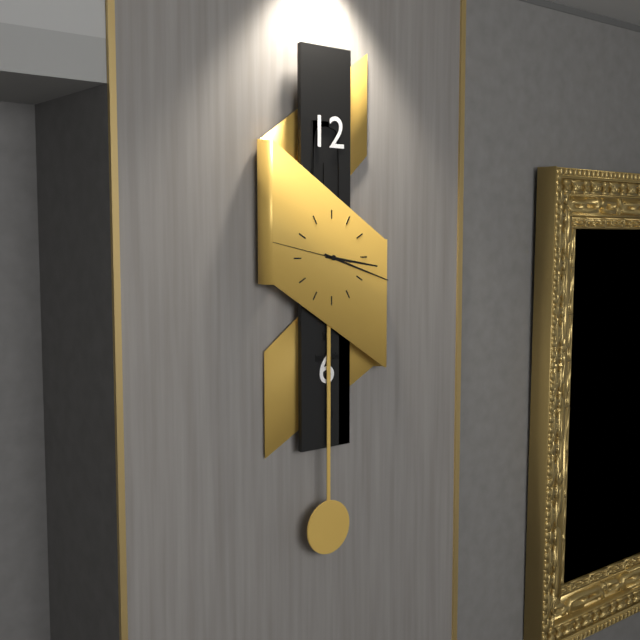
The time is 3:18:47
